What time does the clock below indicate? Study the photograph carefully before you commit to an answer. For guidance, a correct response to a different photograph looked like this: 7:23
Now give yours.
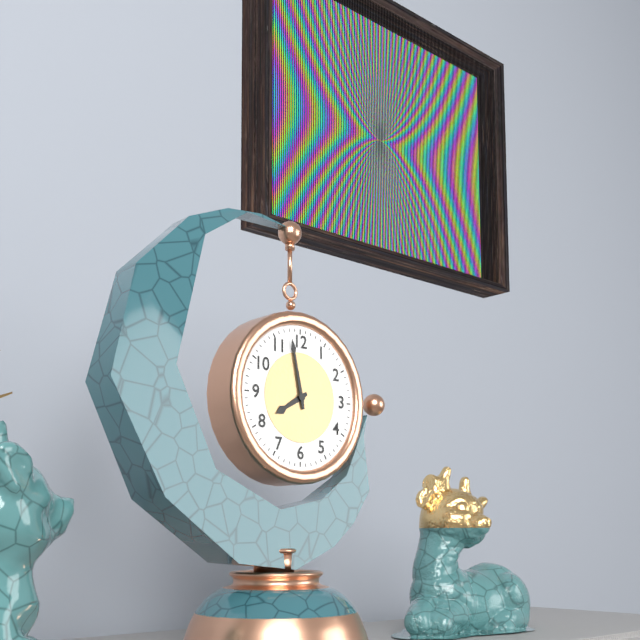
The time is 7:58
